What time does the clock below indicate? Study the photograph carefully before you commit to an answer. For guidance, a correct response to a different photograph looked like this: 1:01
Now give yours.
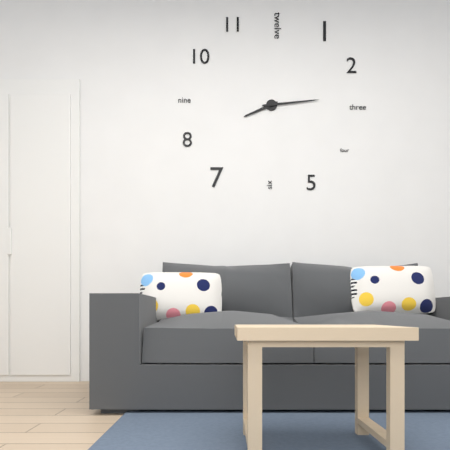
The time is 8:14
